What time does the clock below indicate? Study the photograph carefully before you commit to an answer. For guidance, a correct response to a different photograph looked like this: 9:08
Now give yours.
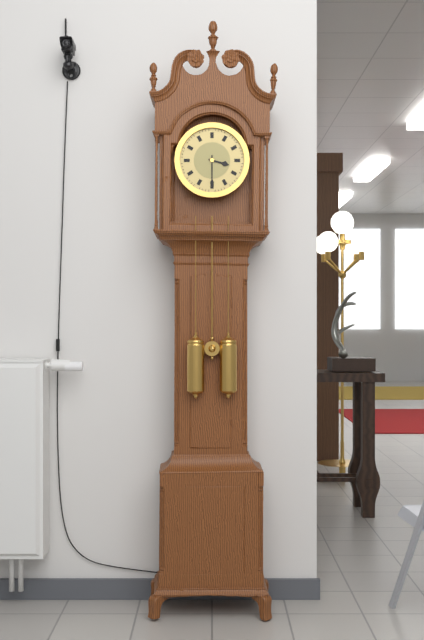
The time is 3:30
